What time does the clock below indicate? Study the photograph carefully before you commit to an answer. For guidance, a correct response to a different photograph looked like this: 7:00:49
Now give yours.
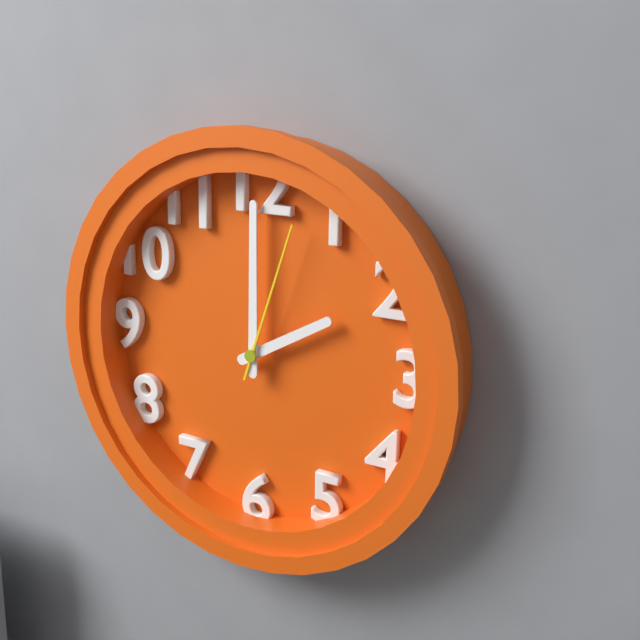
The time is 2:00:03
